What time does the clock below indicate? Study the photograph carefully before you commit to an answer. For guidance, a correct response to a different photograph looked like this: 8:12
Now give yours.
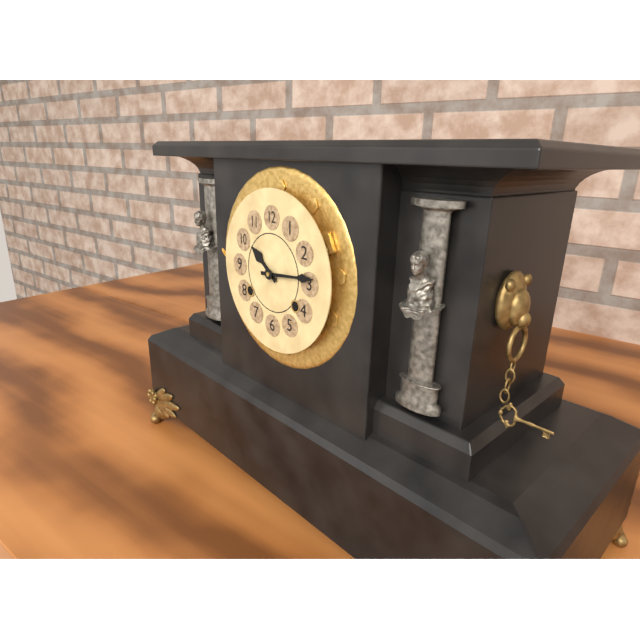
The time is 10:14
